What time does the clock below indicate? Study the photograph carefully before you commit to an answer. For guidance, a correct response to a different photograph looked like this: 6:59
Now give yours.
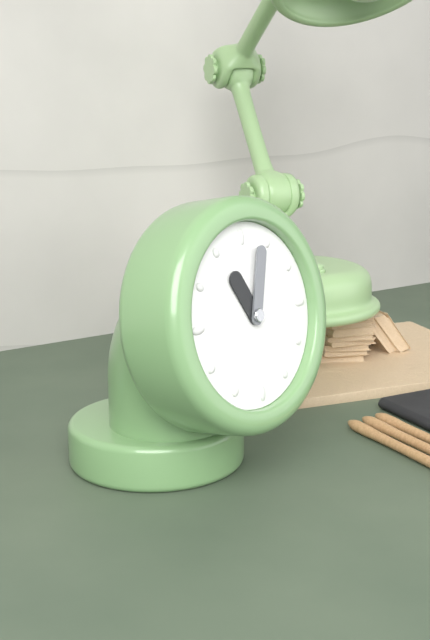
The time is 11:03
